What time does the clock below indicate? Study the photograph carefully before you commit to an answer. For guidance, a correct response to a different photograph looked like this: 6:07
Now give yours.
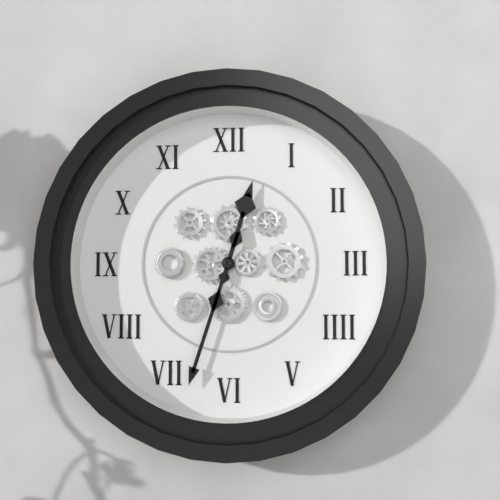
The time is 12:33
